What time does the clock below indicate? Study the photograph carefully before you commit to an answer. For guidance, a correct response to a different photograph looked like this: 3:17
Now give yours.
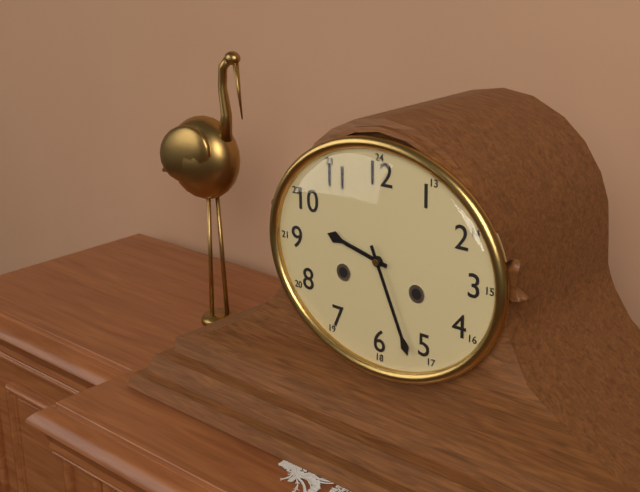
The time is 9:26
